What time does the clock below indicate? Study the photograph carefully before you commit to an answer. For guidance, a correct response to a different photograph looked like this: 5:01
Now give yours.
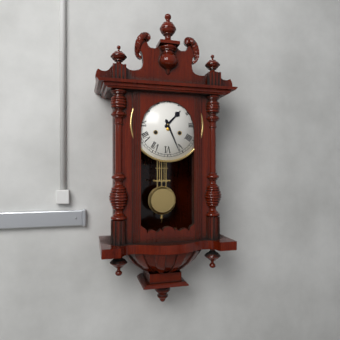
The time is 1:26
